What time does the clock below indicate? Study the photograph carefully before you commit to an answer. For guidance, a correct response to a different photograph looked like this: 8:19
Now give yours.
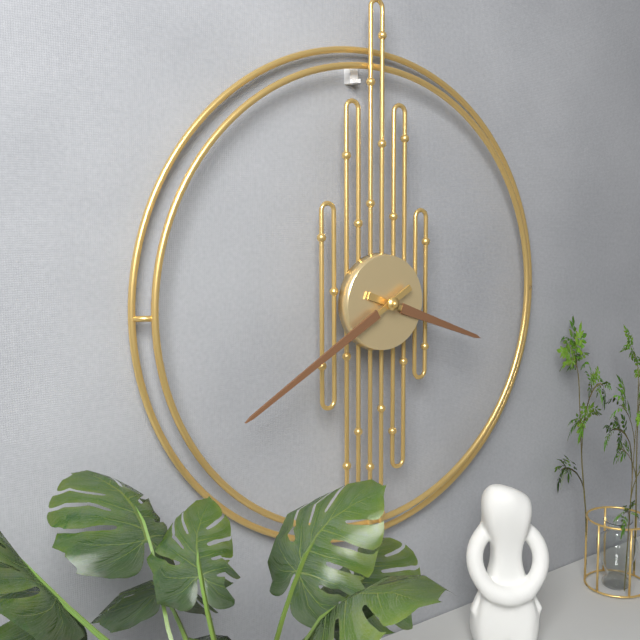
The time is 3:40
